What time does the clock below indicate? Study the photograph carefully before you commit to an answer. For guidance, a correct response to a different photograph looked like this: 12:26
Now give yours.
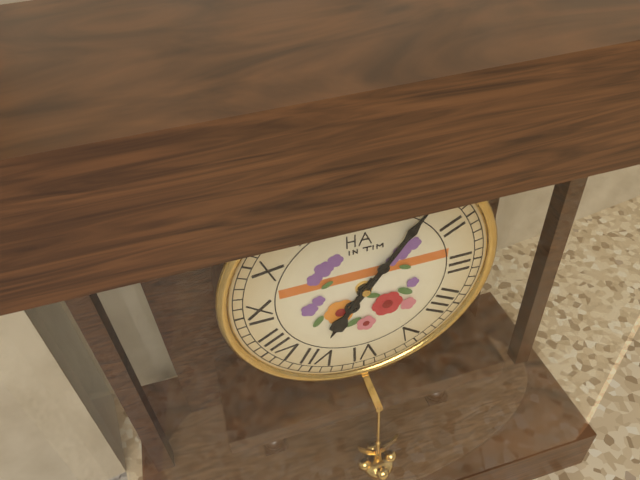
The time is 7:06
